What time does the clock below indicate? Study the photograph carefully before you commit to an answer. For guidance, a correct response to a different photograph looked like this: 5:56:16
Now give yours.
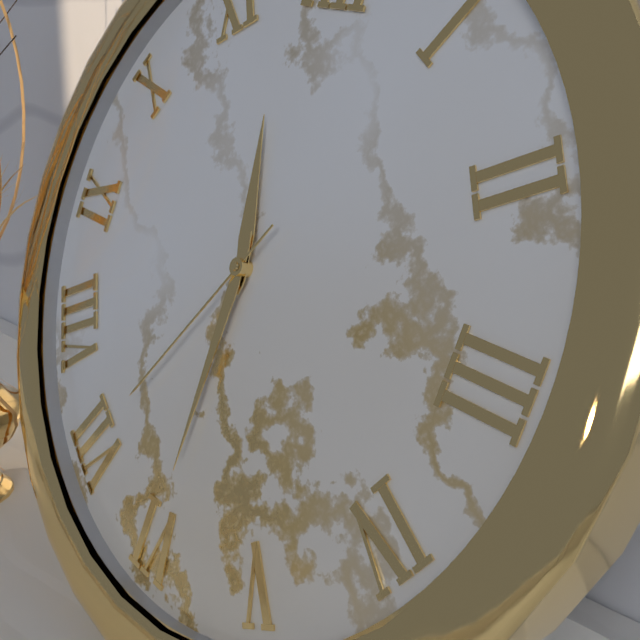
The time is 11:30:35
